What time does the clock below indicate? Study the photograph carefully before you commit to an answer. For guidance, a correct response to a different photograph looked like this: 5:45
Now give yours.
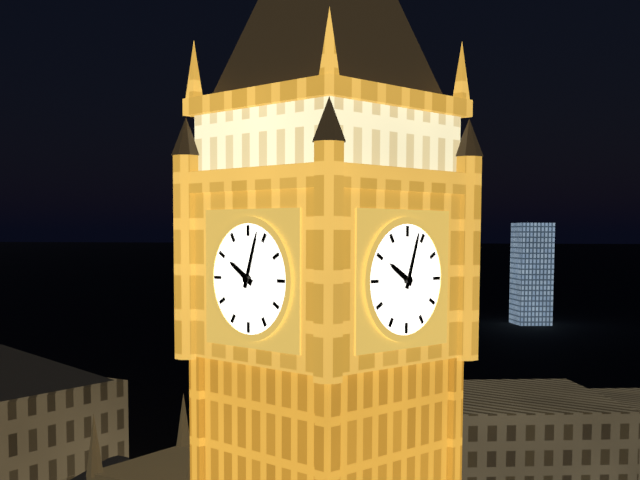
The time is 10:03
